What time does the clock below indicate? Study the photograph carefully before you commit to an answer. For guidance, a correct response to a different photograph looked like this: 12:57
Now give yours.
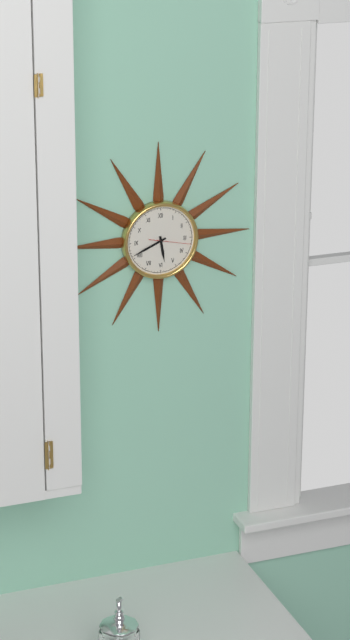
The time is 5:41
